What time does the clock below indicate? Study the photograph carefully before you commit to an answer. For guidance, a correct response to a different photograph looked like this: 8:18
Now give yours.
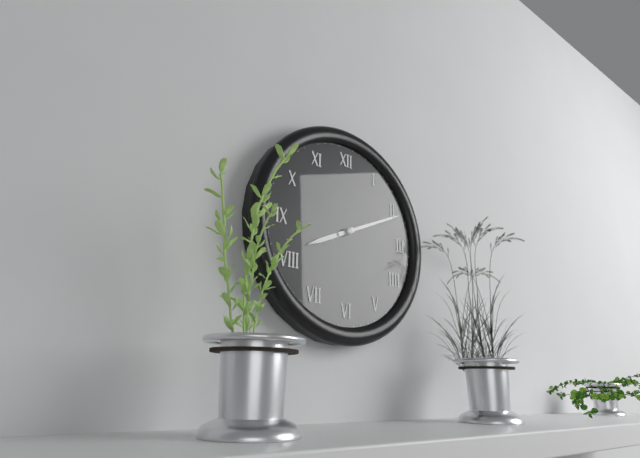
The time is 8:11
